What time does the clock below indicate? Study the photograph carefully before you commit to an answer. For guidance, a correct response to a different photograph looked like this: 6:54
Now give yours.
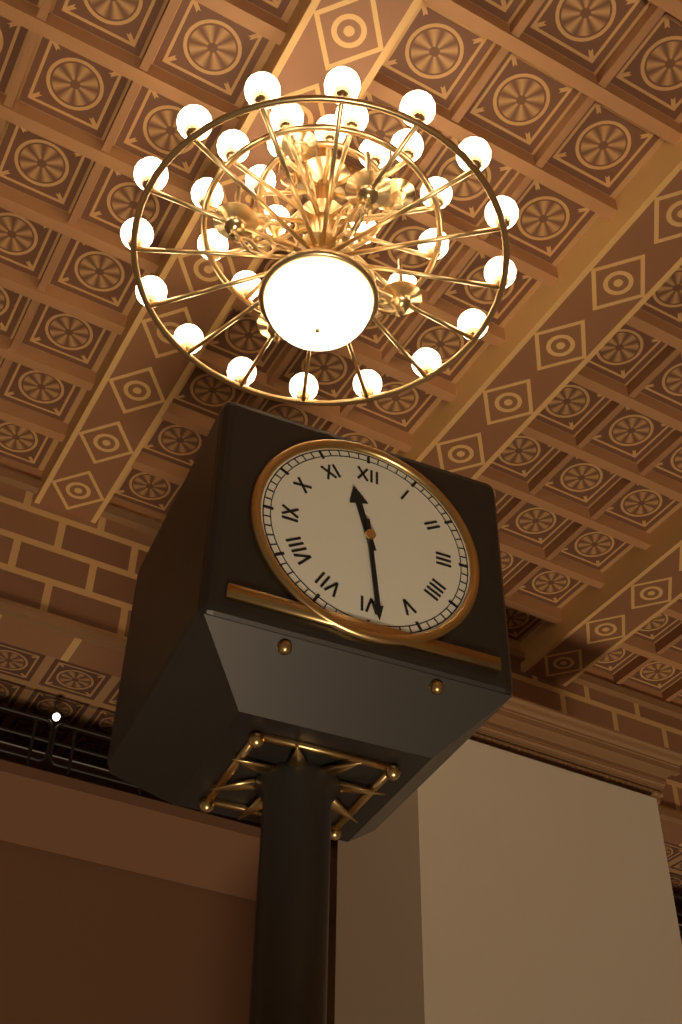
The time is 11:29
